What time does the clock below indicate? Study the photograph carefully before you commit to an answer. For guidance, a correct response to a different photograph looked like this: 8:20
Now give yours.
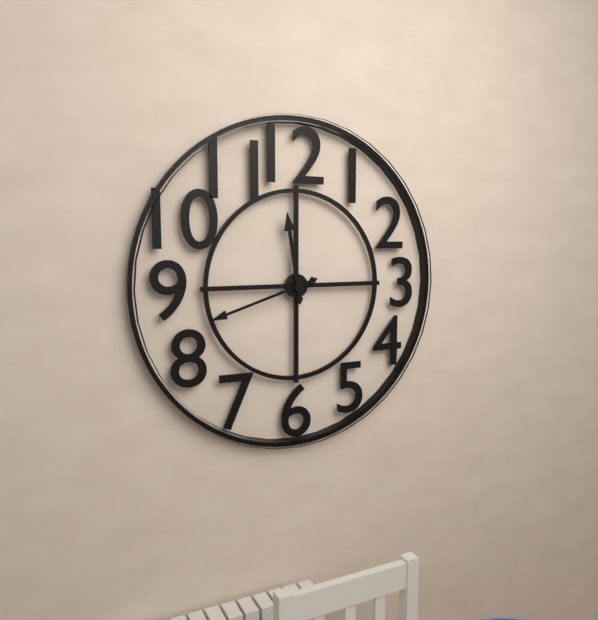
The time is 11:42
